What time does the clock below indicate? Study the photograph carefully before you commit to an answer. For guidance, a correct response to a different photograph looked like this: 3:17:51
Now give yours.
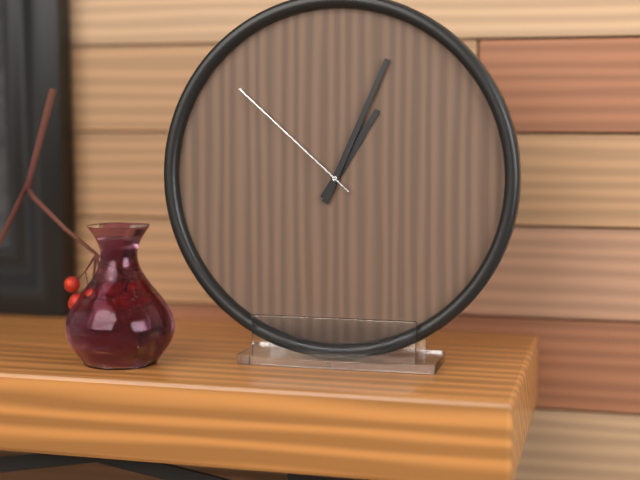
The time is 1:04:52
